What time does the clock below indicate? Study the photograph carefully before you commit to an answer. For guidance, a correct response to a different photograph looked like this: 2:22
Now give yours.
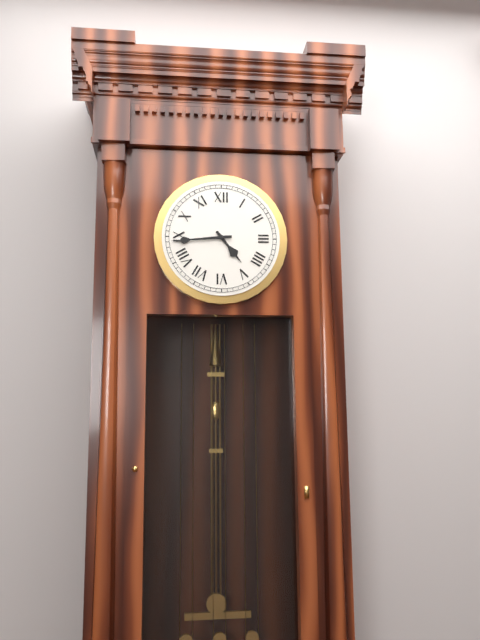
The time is 4:44
